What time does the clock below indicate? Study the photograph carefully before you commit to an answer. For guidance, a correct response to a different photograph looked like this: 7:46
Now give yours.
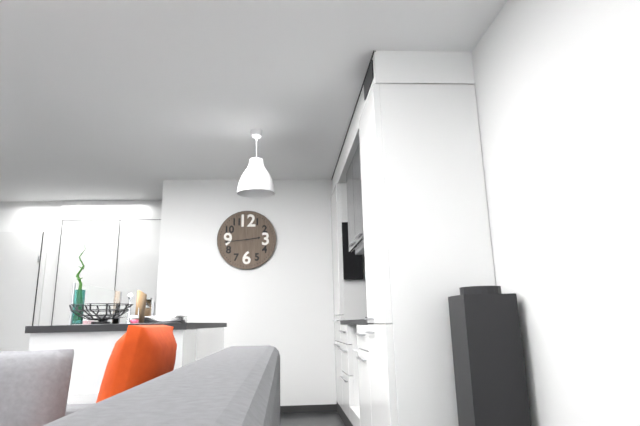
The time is 2:44
